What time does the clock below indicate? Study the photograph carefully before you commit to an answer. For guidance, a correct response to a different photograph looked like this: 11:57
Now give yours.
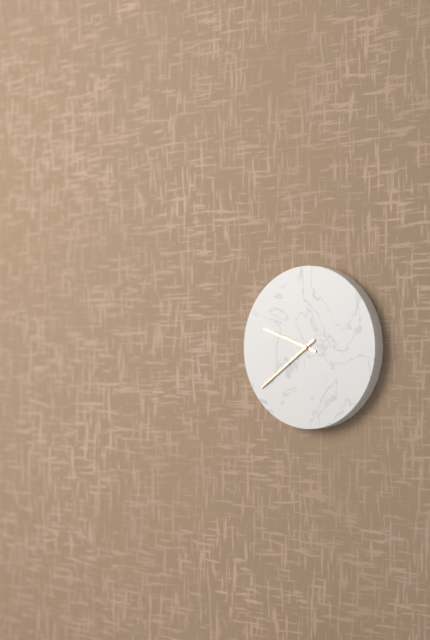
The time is 9:39
